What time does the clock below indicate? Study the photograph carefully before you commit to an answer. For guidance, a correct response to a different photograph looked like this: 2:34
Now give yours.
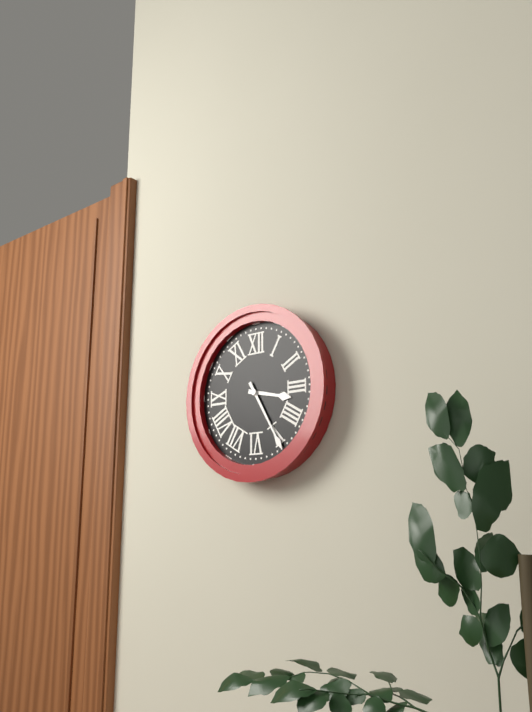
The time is 3:25
